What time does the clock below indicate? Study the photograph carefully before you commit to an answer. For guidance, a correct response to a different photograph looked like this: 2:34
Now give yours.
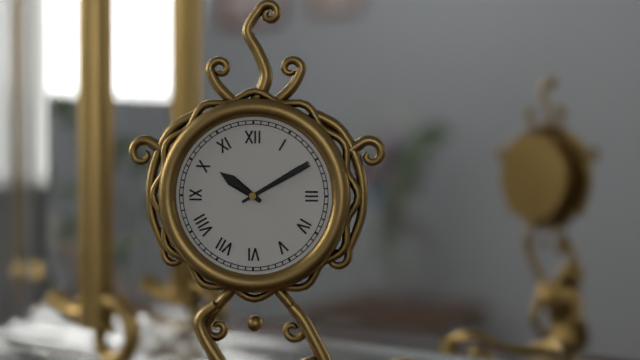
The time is 10:10
